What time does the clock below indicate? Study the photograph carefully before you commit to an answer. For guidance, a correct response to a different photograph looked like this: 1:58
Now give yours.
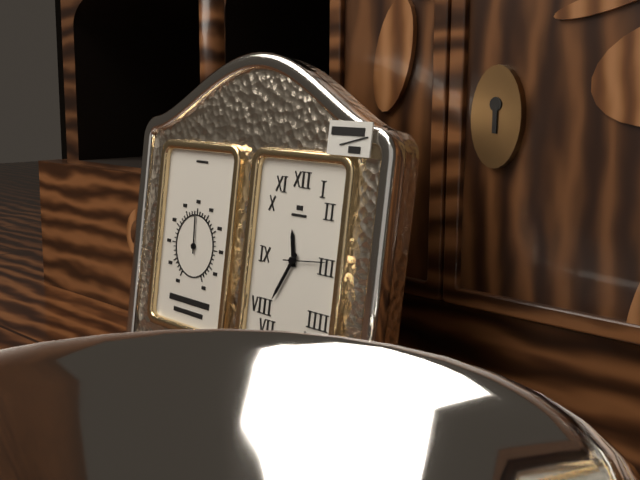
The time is 11:35
